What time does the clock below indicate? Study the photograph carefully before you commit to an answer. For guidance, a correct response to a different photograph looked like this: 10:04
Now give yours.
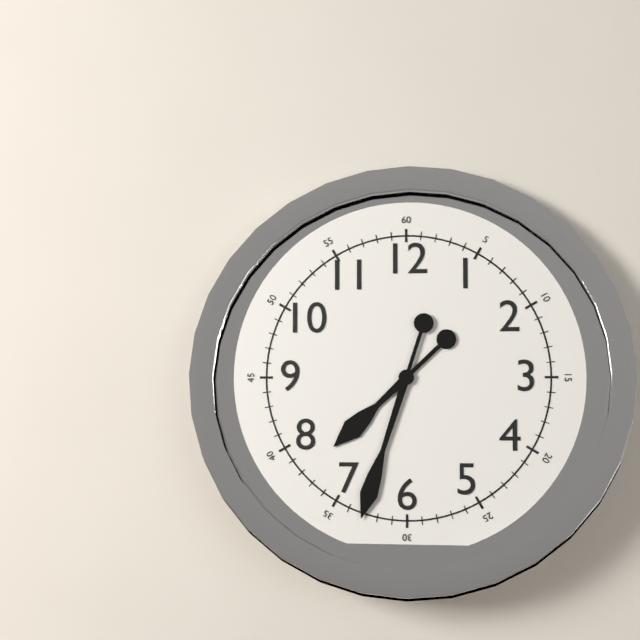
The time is 7:33
